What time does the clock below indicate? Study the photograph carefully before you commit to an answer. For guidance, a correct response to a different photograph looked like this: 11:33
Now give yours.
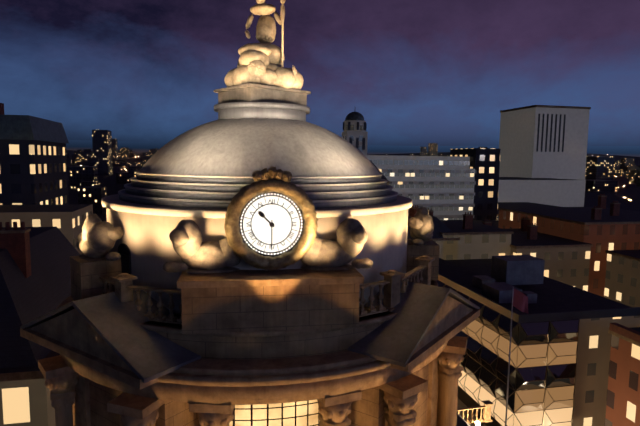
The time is 10:30
